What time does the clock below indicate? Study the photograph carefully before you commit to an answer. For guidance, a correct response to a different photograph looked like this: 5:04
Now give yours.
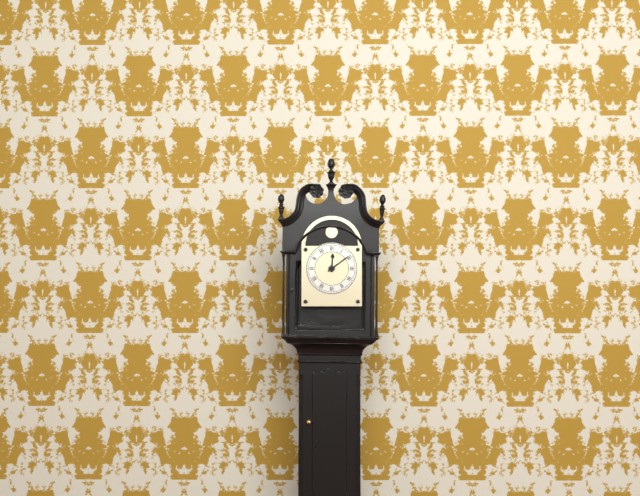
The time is 12:09
